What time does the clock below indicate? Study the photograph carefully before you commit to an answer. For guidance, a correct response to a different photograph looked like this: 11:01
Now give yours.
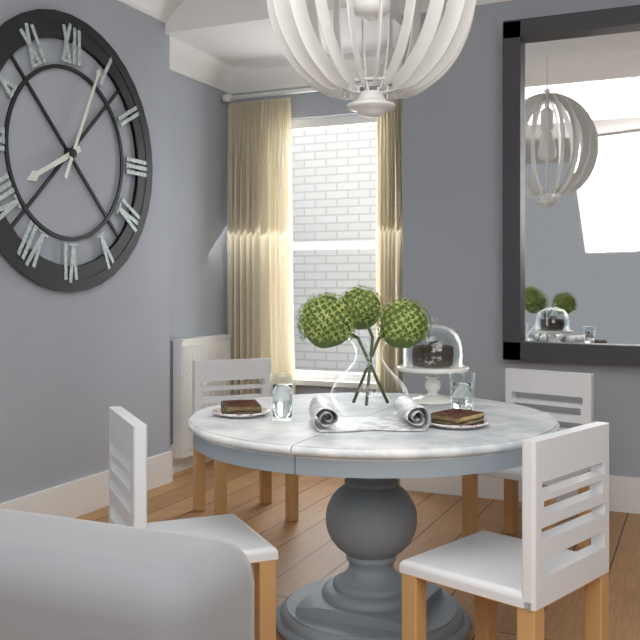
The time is 8:04
